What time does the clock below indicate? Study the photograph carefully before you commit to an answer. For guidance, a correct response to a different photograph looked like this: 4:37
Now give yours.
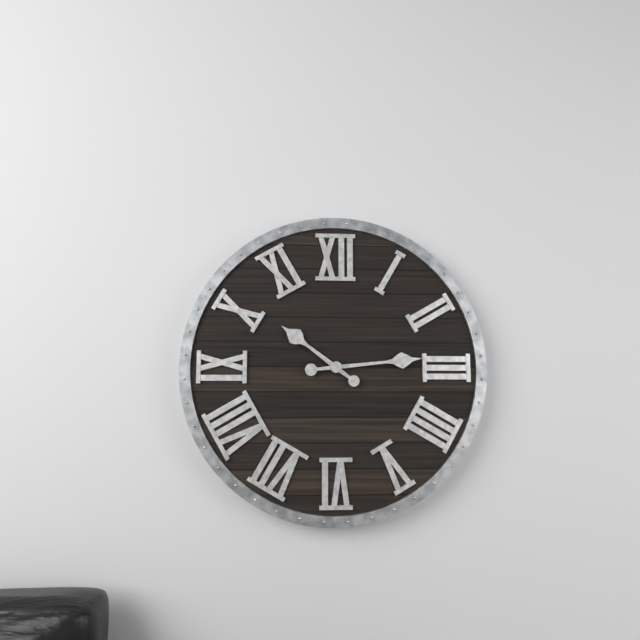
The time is 10:14
